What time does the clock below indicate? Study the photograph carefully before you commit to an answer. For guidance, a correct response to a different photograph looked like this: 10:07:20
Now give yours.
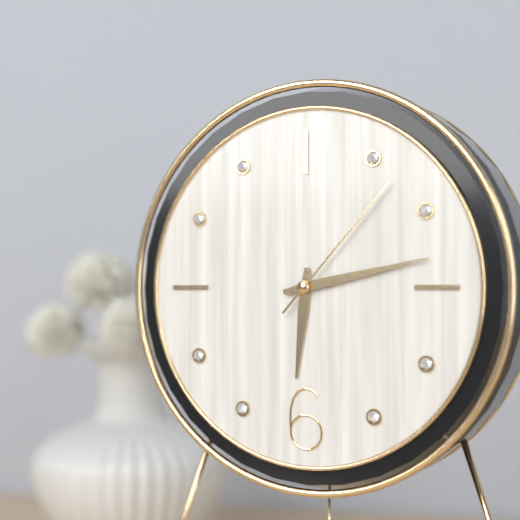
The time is 6:13:07
